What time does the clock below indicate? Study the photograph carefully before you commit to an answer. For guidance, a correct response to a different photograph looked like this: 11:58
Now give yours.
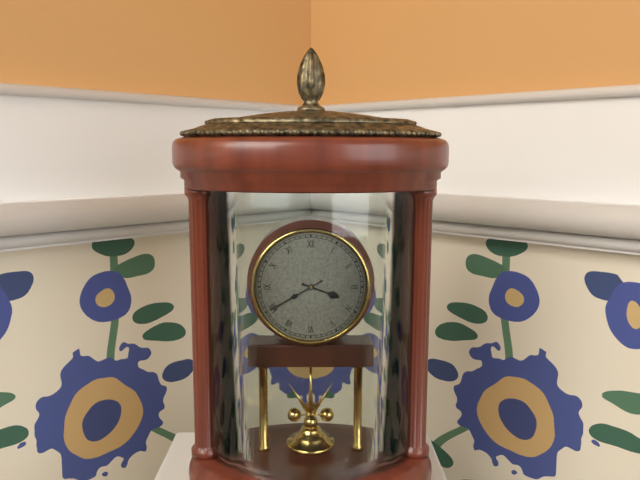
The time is 3:40
